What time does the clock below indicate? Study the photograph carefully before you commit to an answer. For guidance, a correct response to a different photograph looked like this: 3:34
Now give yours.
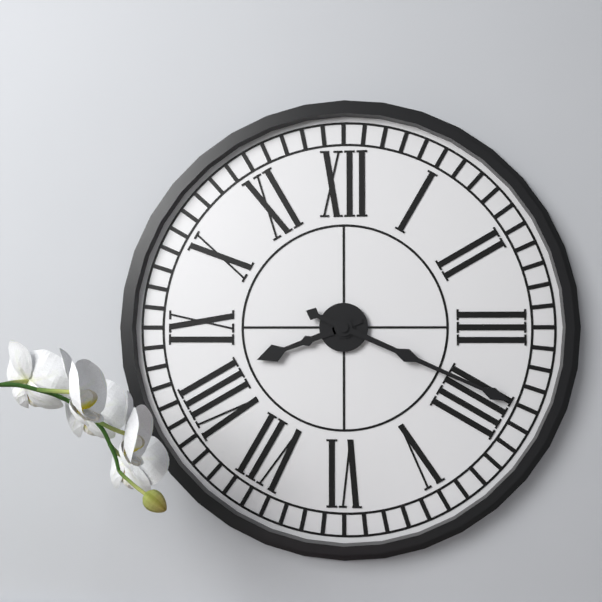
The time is 8:19
